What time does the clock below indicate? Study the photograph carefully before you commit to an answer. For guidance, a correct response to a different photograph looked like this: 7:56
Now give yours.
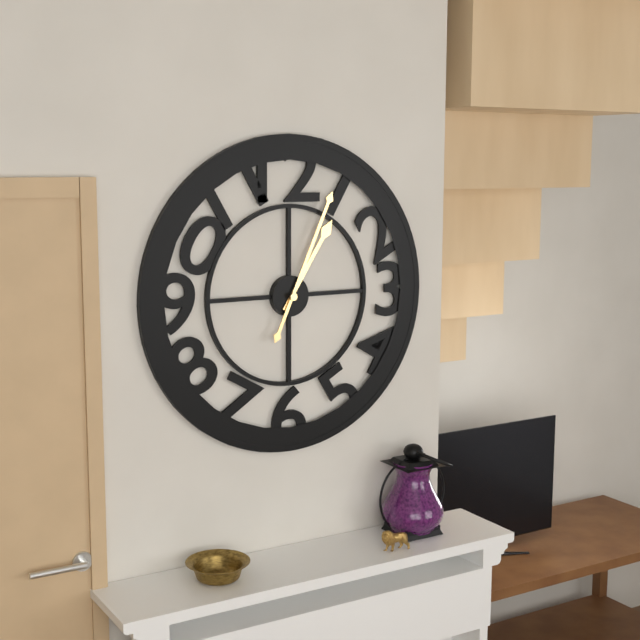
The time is 1:04
